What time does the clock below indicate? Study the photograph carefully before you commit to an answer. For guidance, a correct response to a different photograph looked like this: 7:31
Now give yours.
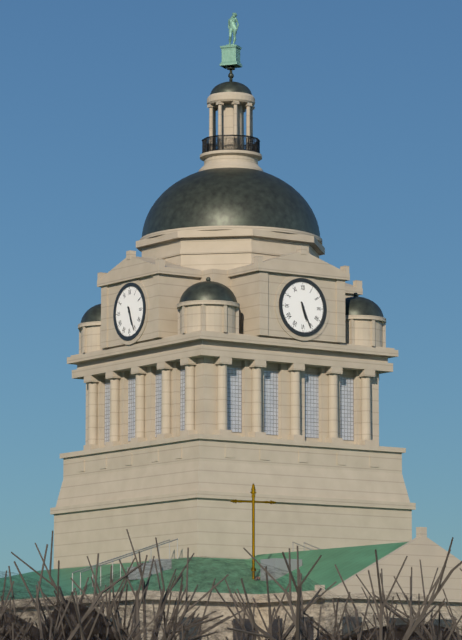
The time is 5:26
